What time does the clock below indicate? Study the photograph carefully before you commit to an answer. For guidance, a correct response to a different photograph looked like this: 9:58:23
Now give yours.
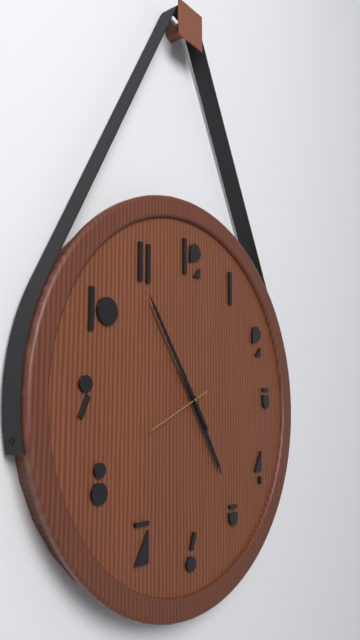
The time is 4:54:41
